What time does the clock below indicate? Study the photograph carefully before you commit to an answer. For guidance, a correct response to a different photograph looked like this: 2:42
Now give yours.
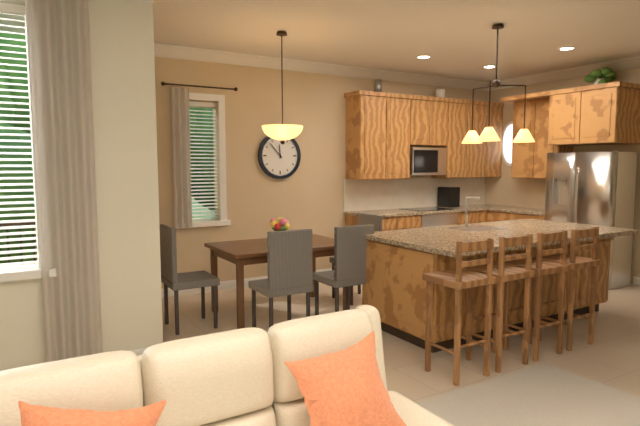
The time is 11:53
